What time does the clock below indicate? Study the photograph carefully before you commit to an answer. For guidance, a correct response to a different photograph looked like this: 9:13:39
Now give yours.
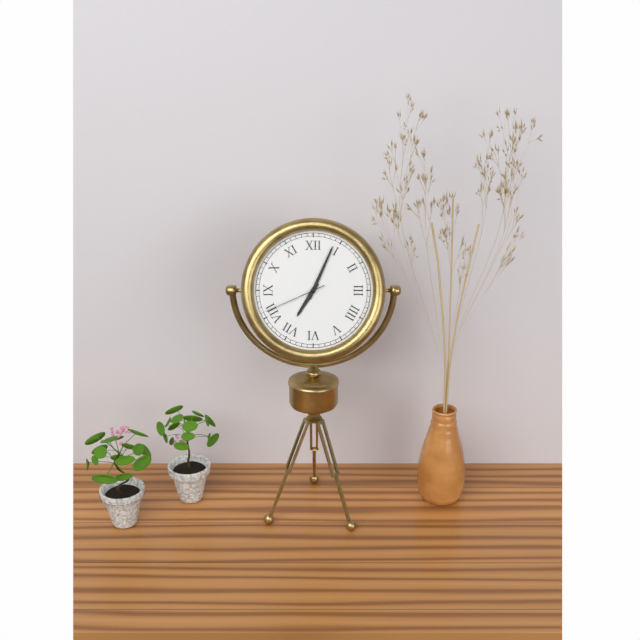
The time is 7:04:41
